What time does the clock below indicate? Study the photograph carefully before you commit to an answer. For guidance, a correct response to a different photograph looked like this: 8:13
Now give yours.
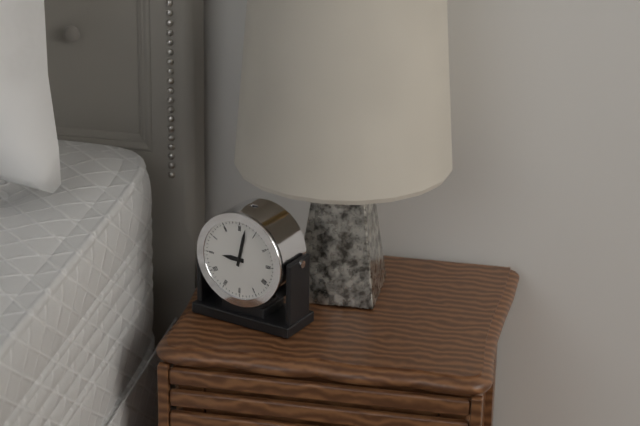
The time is 9:02
